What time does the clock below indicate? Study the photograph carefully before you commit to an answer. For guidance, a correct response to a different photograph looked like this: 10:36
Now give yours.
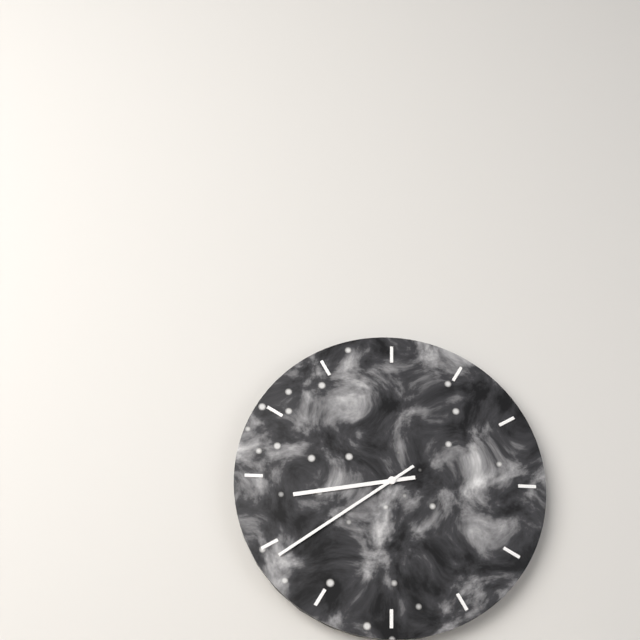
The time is 8:39
